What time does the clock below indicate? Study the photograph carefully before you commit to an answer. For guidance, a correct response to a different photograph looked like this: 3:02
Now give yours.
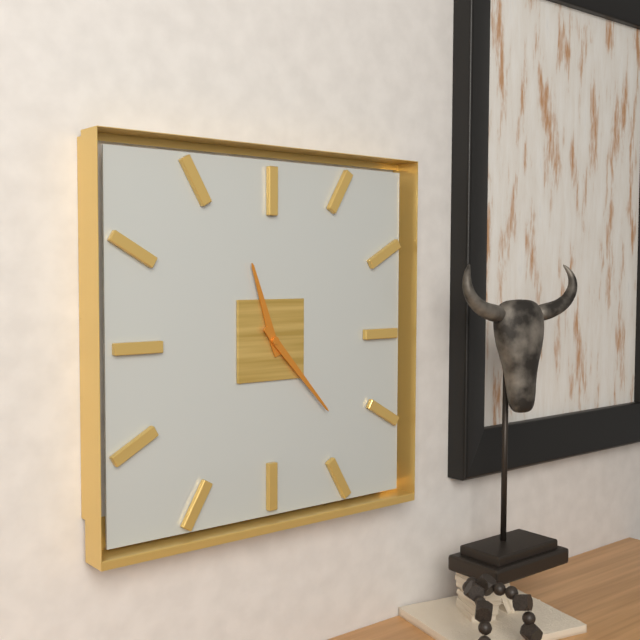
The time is 11:23
